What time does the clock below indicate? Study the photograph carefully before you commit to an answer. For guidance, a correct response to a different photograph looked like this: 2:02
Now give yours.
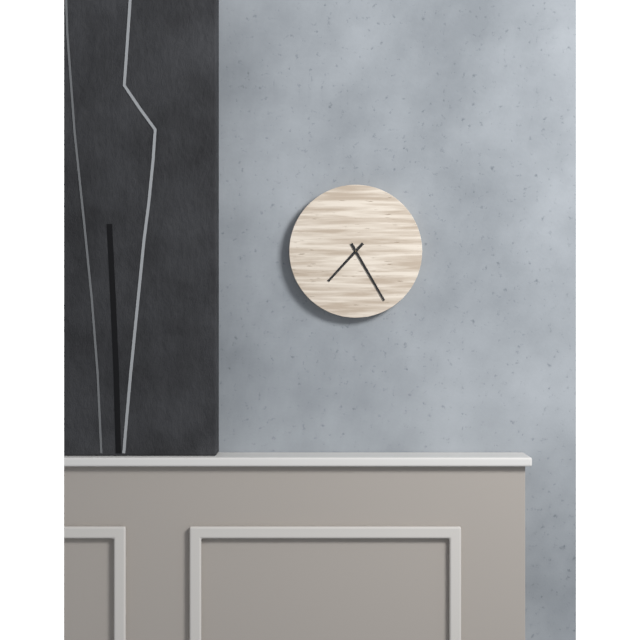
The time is 7:25
